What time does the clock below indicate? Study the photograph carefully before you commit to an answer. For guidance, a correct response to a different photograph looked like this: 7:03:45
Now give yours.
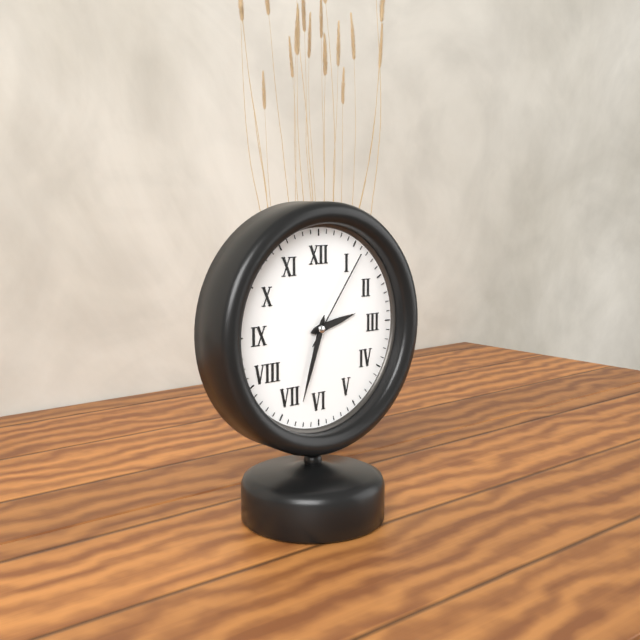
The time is 2:33:06
